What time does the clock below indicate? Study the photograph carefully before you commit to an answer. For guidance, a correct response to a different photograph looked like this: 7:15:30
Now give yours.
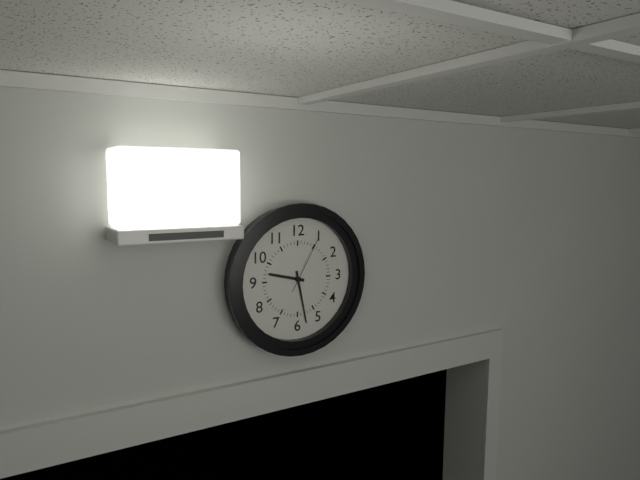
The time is 9:28:05
